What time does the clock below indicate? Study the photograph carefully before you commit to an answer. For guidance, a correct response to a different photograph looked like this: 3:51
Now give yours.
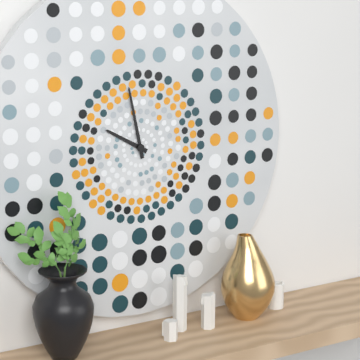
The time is 9:58
